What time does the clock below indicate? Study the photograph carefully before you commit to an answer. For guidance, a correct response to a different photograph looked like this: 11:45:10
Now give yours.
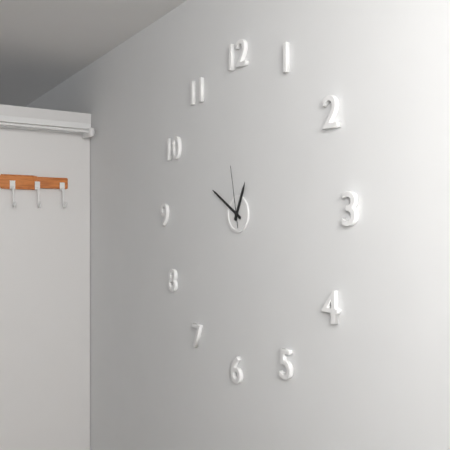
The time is 12:50:58
